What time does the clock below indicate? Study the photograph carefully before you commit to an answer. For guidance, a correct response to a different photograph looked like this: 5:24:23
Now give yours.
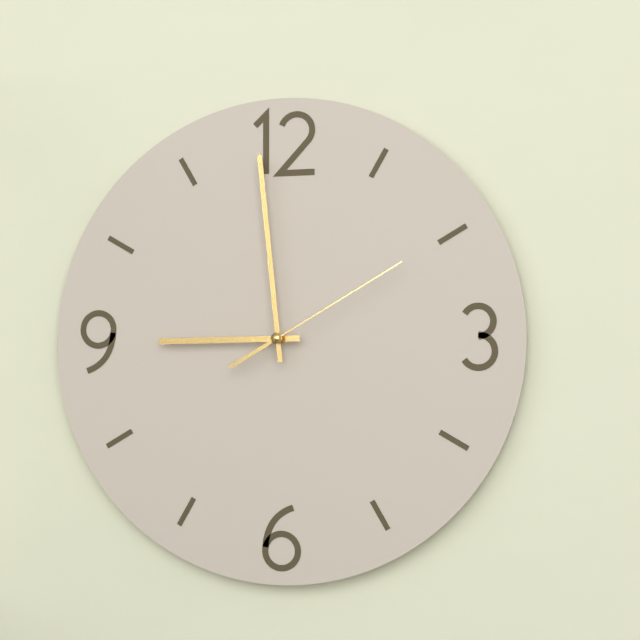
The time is 8:59:10
